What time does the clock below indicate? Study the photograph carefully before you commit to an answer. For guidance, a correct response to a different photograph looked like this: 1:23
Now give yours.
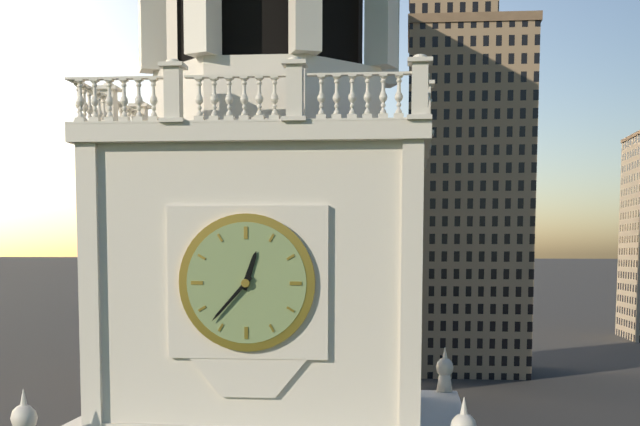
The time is 12:37
